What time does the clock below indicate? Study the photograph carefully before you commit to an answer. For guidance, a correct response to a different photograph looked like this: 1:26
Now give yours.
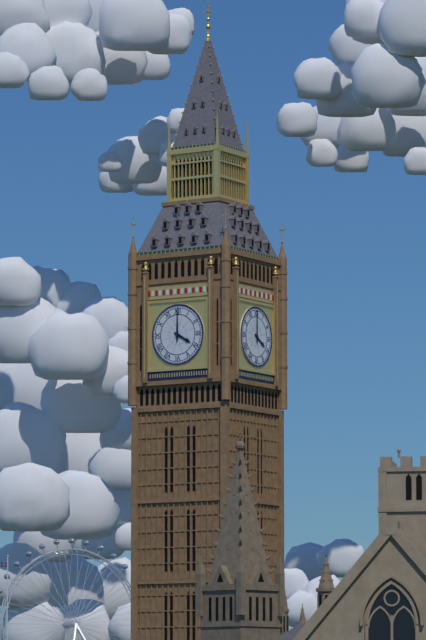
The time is 4:00
